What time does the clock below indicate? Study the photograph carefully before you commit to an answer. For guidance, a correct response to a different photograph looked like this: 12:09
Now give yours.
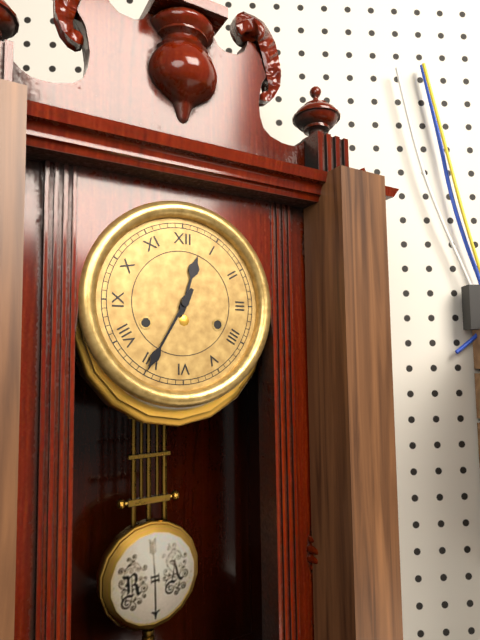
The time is 12:35
